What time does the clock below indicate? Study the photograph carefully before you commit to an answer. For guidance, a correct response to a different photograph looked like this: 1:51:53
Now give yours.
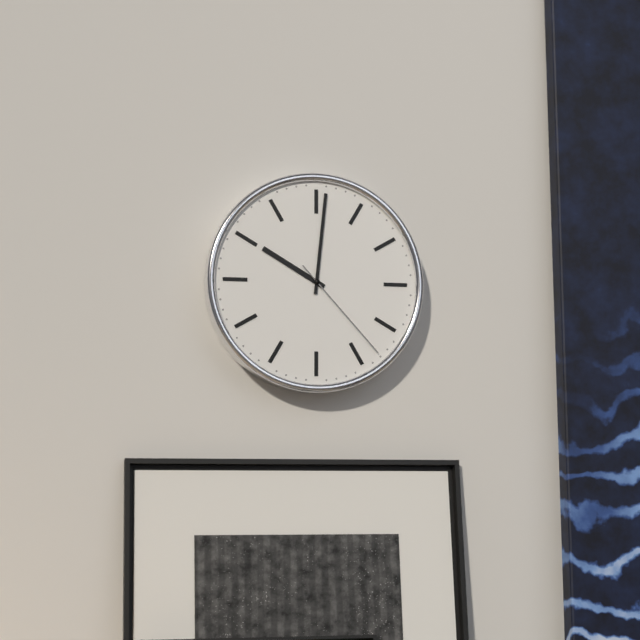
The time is 10:01:23
